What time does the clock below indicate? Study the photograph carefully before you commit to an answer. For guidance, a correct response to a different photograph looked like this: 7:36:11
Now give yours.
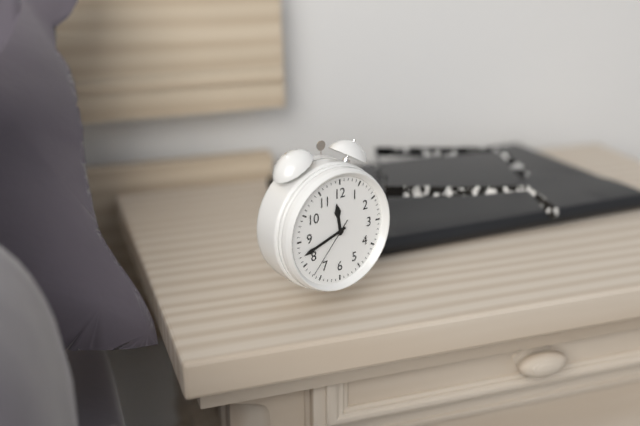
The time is 11:42:37
